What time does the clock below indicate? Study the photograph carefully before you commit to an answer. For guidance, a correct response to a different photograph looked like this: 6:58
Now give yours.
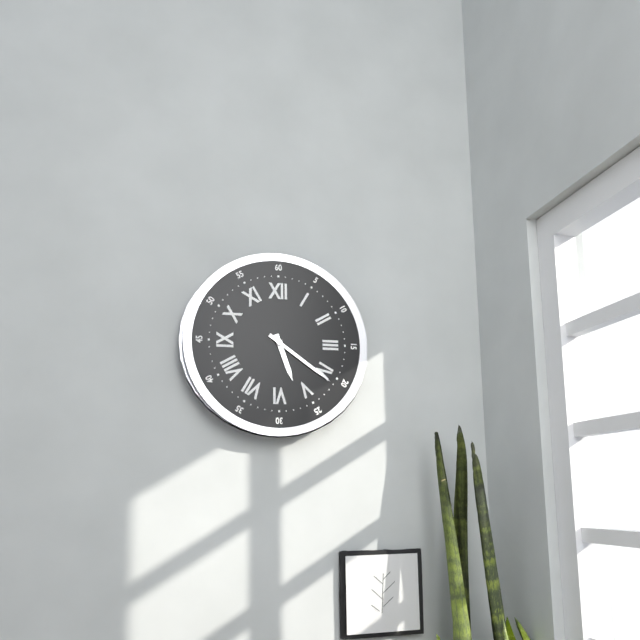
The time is 5:21
